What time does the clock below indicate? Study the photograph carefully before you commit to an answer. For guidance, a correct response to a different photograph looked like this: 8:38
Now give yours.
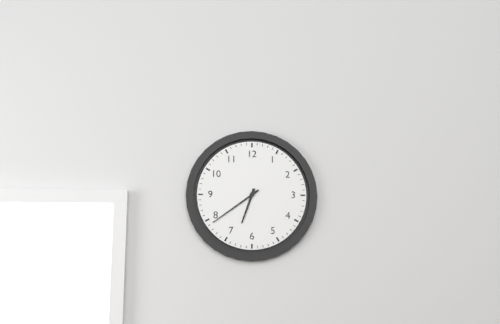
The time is 6:39
